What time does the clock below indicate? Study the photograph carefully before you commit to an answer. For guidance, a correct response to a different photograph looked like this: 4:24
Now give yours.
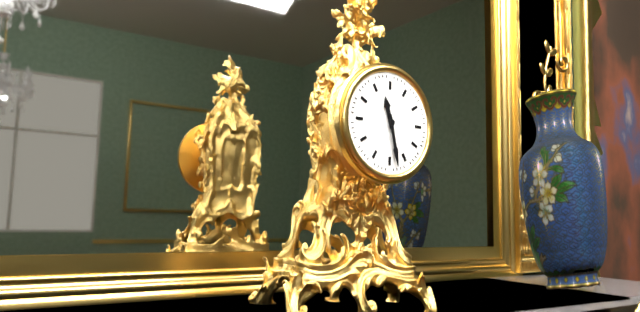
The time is 11:28
